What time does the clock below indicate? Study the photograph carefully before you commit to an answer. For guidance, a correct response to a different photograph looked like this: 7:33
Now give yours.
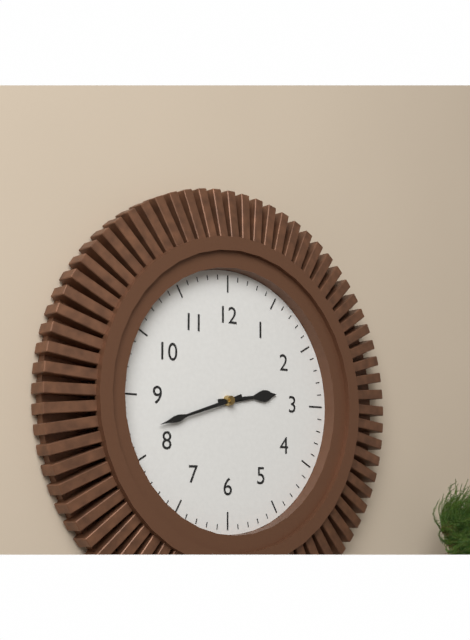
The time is 2:42
